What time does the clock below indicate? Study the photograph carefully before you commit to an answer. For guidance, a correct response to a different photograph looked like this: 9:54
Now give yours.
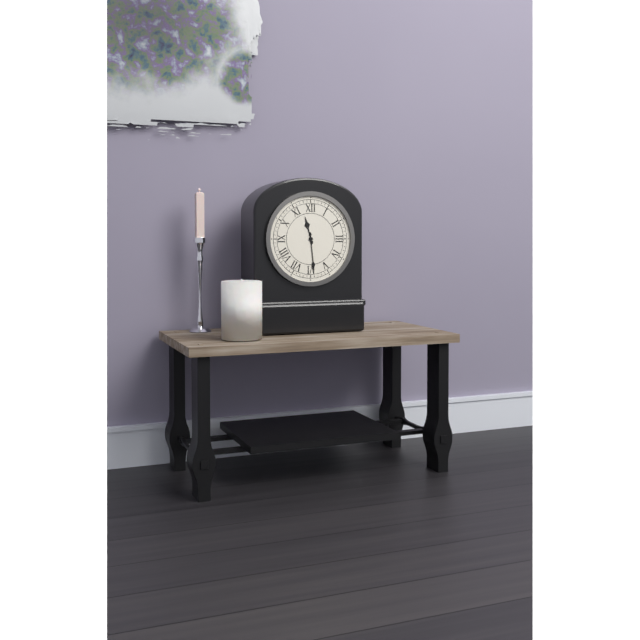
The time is 11:29
